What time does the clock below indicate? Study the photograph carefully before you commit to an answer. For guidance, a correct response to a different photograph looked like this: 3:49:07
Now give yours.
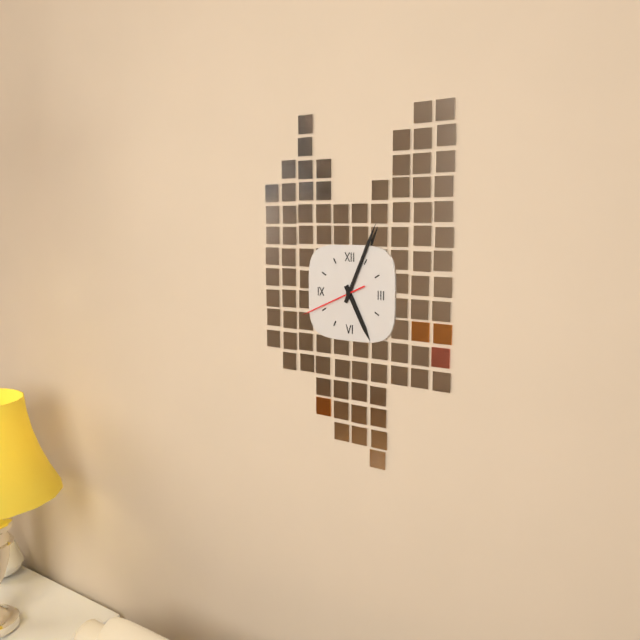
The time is 5:04:41
